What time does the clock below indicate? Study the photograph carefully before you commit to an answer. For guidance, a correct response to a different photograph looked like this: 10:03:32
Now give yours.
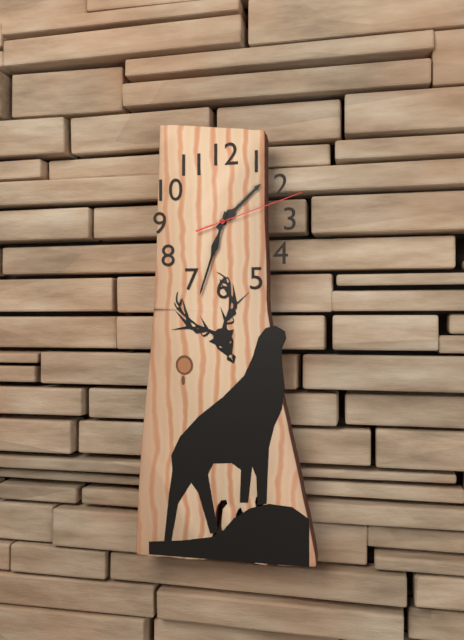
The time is 1:33:12
